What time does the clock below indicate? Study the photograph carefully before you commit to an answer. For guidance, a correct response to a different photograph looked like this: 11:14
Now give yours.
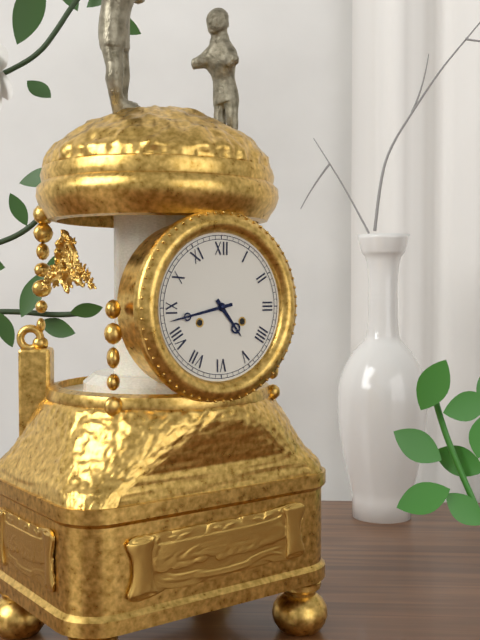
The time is 4:43
